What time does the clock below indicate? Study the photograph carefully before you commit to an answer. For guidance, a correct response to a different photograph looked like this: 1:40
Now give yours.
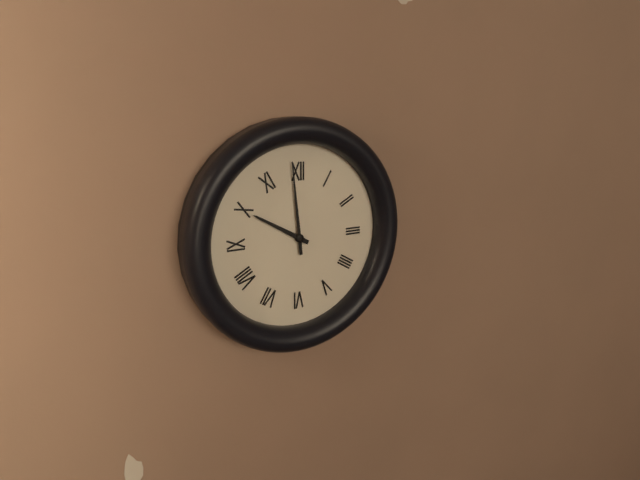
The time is 9:59
